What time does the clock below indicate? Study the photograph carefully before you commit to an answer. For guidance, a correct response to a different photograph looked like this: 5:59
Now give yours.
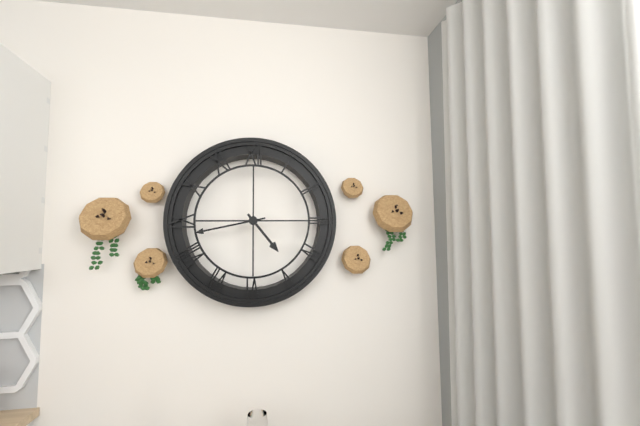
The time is 4:43
